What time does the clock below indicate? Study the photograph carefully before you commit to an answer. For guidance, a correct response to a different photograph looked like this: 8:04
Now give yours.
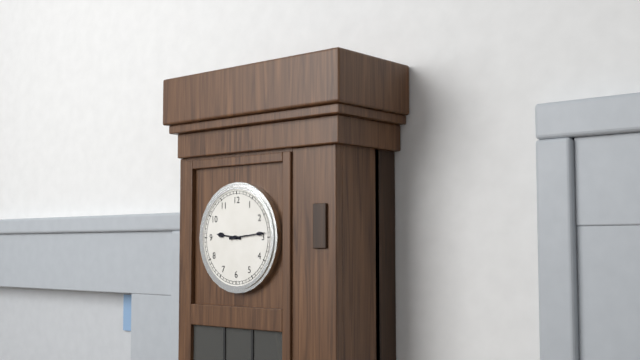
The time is 9:14
